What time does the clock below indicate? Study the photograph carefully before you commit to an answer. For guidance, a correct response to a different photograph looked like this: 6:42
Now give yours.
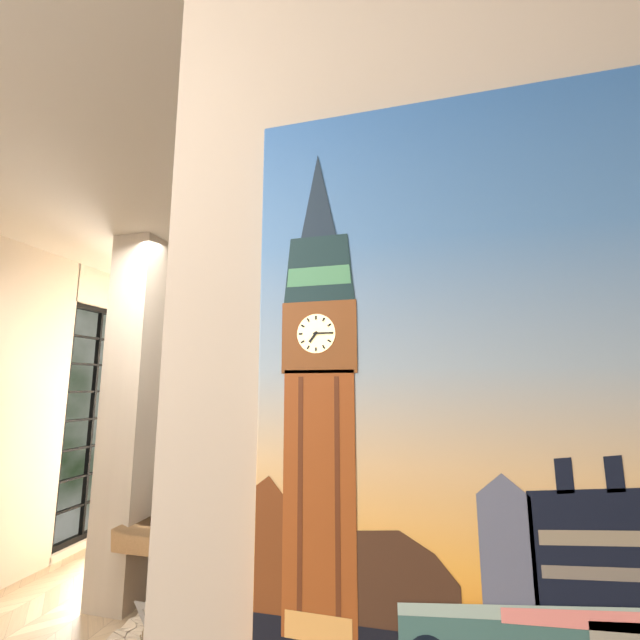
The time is 7:15
